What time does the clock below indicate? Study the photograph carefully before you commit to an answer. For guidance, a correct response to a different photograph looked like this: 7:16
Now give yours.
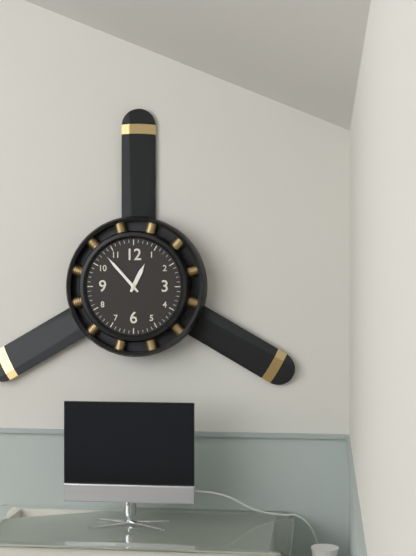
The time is 12:53
